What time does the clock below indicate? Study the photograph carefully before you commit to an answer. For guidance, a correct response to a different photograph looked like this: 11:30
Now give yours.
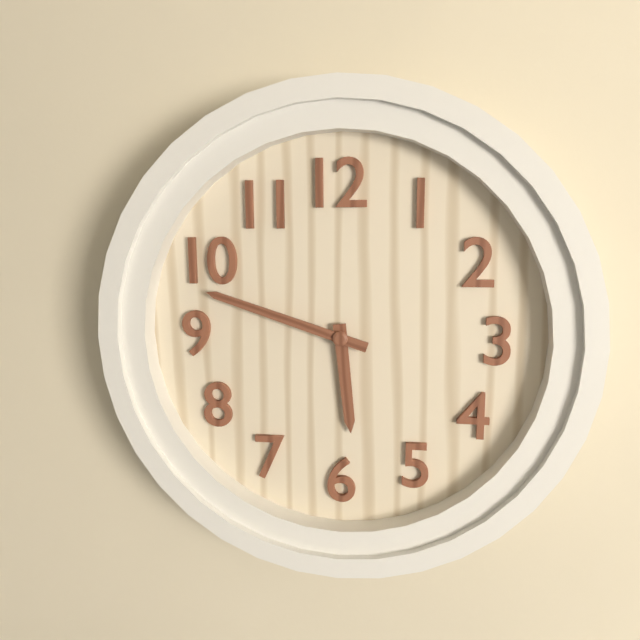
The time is 5:48
